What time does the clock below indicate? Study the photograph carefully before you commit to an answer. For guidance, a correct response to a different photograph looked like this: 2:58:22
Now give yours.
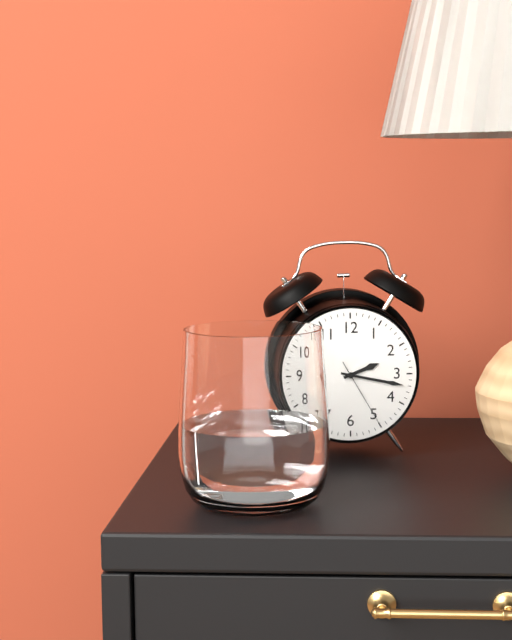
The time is 2:17:25
